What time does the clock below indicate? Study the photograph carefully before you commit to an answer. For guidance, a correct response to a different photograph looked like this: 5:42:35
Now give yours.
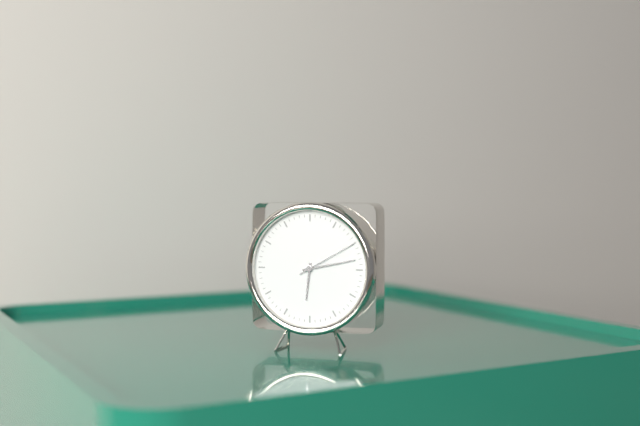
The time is 6:13:10
